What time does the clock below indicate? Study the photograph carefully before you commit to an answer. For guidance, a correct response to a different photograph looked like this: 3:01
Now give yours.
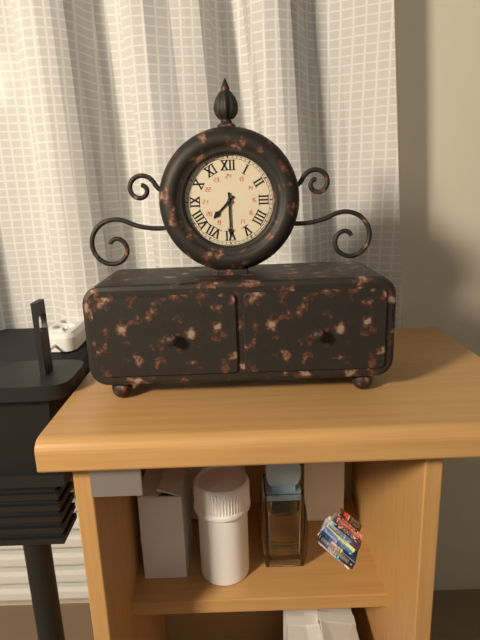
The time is 7:30
